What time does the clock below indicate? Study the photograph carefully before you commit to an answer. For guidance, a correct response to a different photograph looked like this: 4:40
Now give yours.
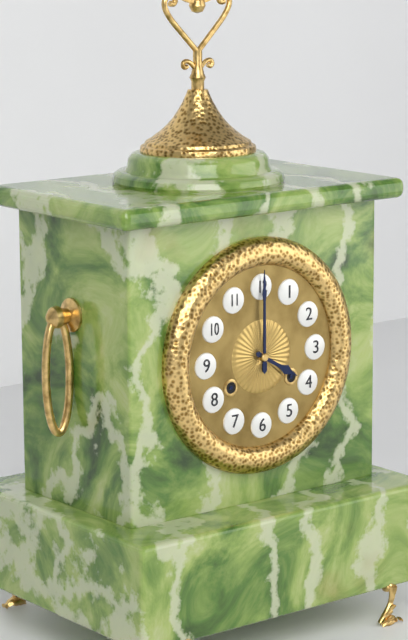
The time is 4:00
